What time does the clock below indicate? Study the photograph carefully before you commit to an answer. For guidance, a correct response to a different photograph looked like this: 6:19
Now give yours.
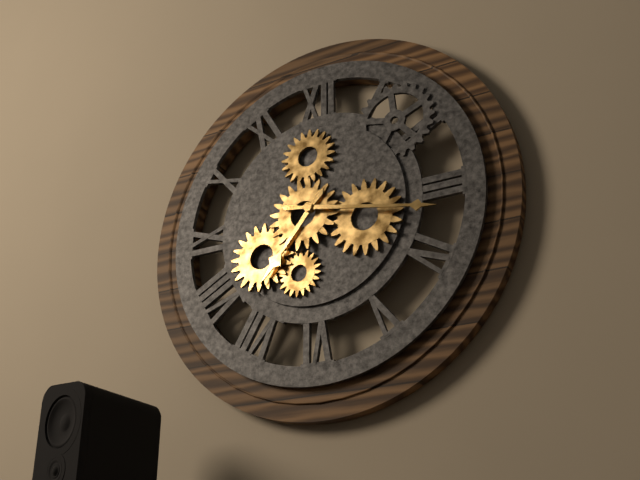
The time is 7:17
